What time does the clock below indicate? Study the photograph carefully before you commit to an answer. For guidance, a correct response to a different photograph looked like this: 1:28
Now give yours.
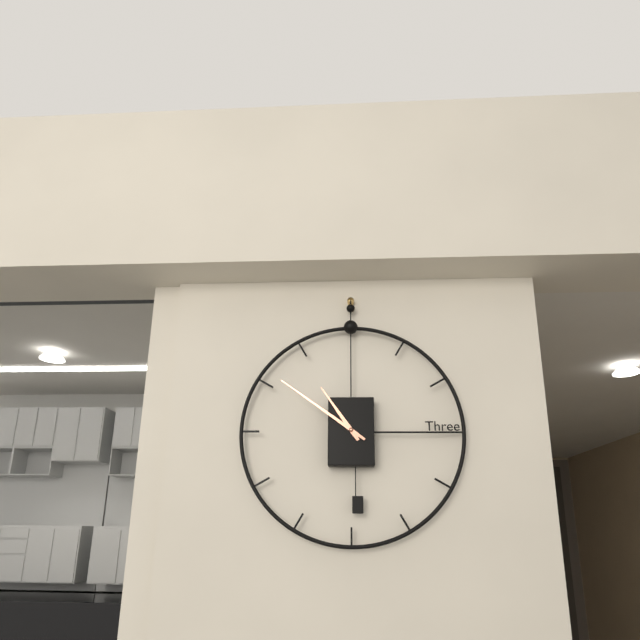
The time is 10:51
